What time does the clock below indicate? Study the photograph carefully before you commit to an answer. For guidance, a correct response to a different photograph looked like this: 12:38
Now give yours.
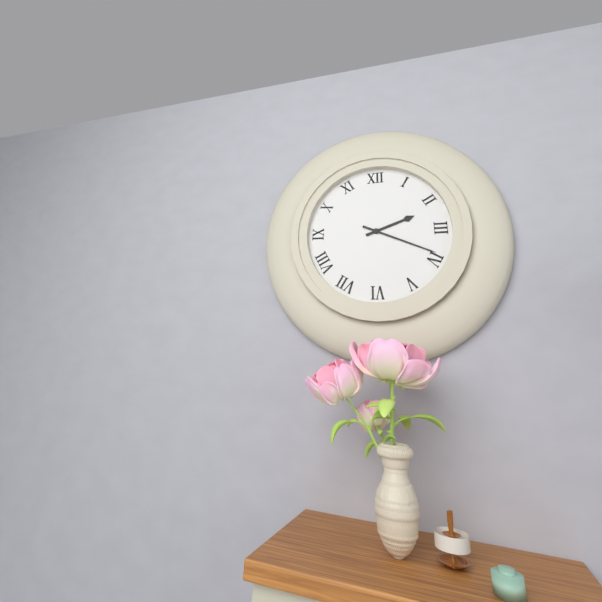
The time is 2:19
